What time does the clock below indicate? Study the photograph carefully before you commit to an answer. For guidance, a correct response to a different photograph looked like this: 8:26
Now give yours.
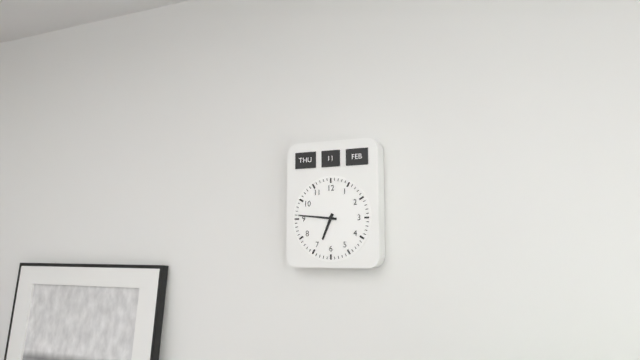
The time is 6:46
